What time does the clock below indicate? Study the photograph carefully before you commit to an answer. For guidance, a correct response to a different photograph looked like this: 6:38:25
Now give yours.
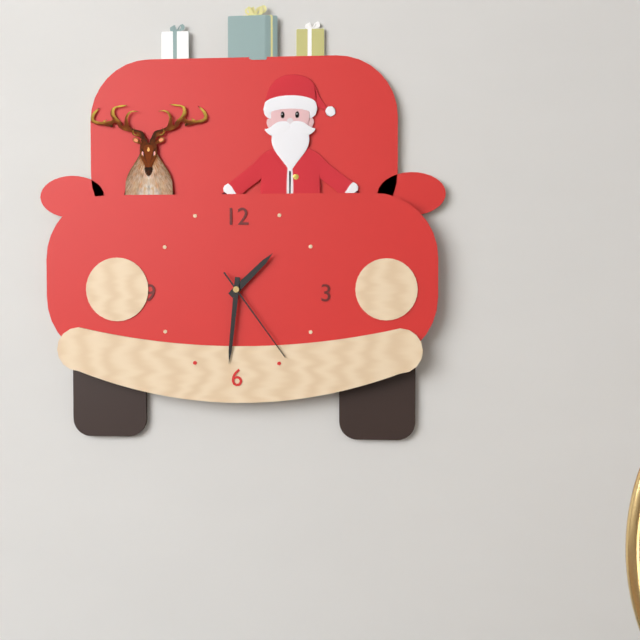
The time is 1:31:24
